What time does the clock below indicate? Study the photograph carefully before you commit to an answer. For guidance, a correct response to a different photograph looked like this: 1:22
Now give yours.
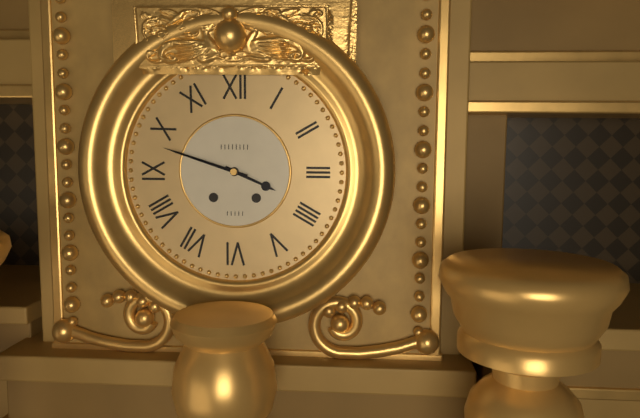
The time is 3:48
